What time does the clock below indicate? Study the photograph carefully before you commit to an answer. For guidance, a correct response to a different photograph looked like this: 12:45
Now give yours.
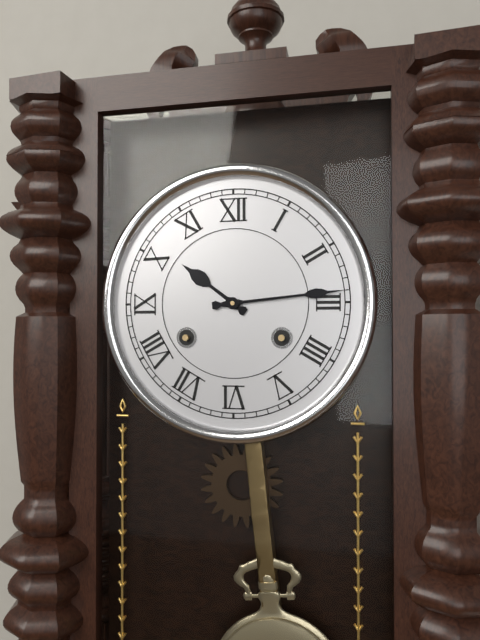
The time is 10:14
